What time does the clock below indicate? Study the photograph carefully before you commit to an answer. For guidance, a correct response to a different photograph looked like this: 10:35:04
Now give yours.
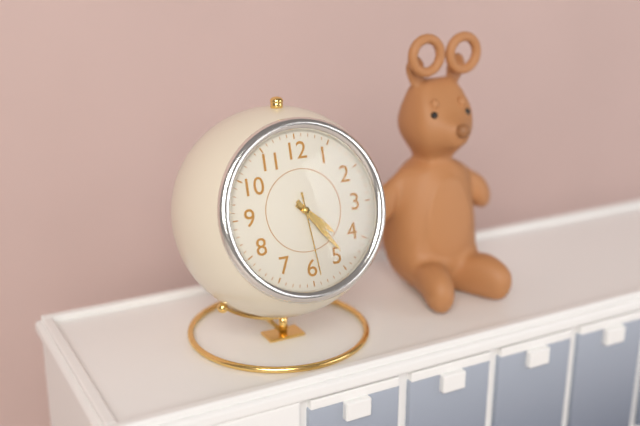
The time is 4:24:29
